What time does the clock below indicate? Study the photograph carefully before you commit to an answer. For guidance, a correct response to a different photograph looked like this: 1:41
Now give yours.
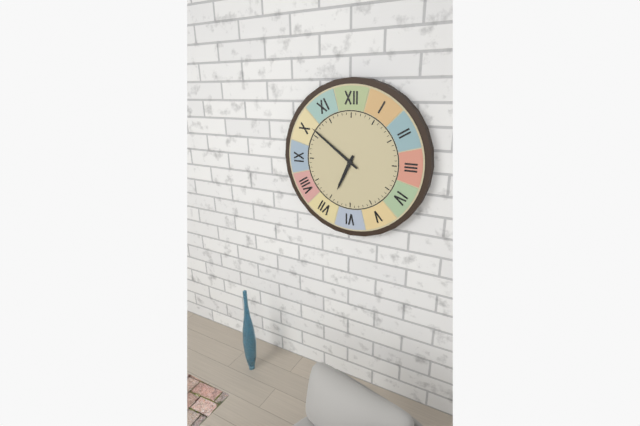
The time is 6:51
